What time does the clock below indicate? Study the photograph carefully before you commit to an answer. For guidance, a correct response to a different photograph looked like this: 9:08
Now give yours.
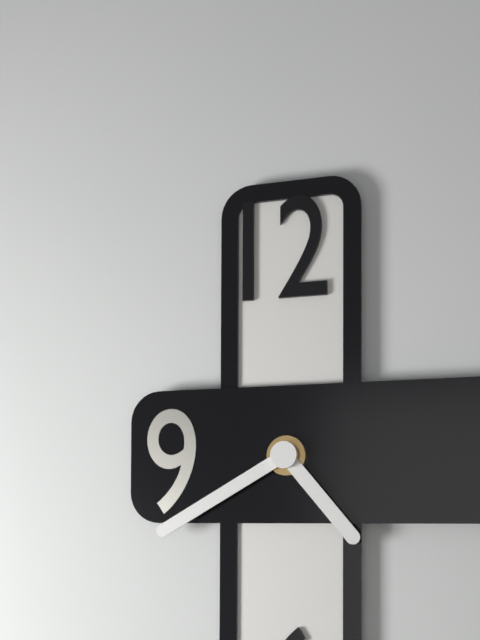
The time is 4:40
